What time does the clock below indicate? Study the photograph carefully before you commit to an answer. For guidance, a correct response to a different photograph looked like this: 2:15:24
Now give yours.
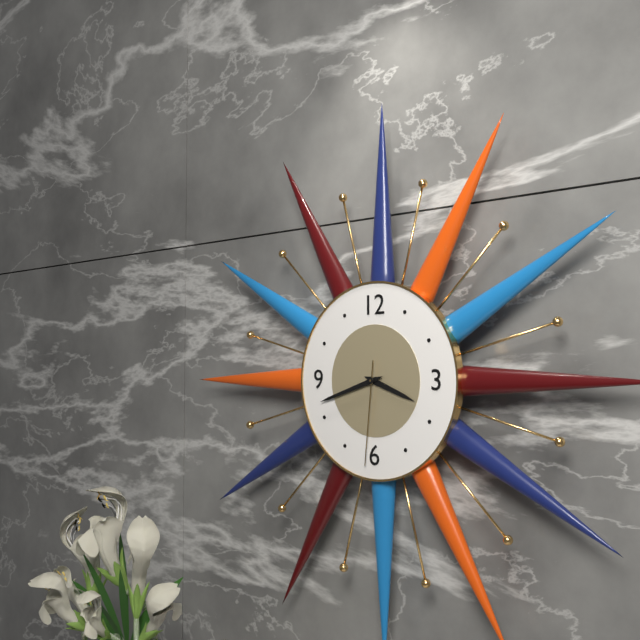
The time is 3:42:31
